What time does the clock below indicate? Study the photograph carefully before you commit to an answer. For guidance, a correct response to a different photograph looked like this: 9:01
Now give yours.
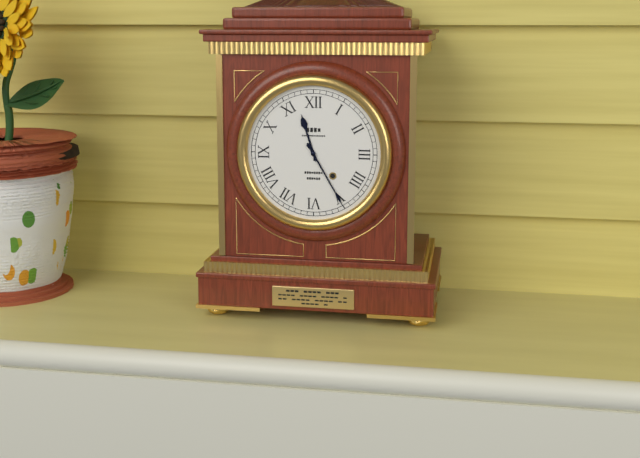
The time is 11:25
